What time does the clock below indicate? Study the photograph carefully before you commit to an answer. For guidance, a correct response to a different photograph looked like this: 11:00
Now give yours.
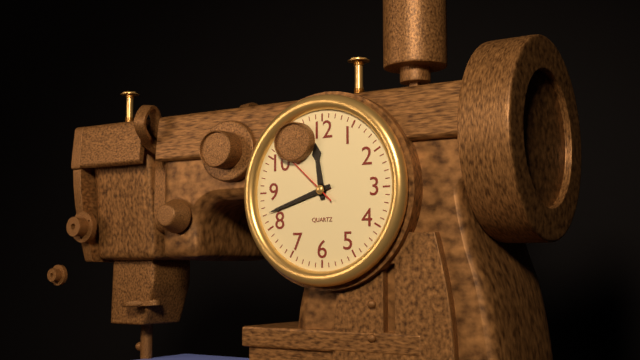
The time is 11:42
